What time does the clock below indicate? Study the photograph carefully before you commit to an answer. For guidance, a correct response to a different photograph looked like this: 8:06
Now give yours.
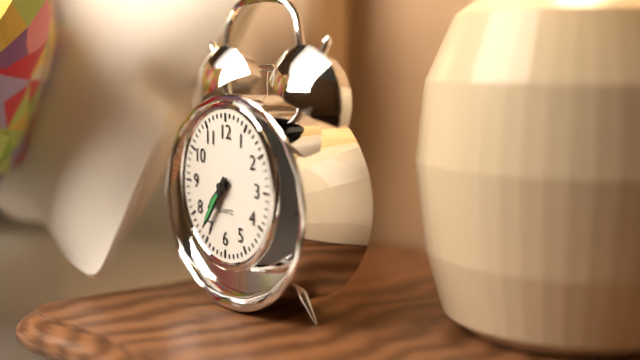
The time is 7:36
